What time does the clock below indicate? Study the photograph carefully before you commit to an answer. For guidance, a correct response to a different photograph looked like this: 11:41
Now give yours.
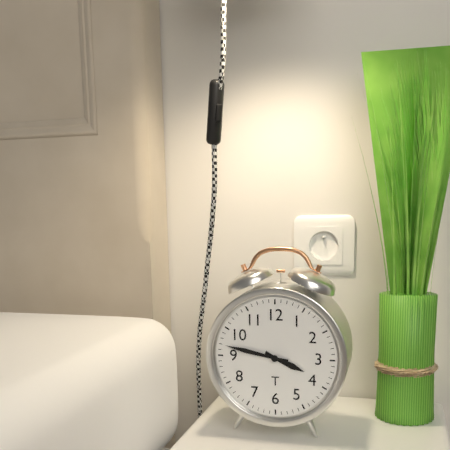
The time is 3:47
